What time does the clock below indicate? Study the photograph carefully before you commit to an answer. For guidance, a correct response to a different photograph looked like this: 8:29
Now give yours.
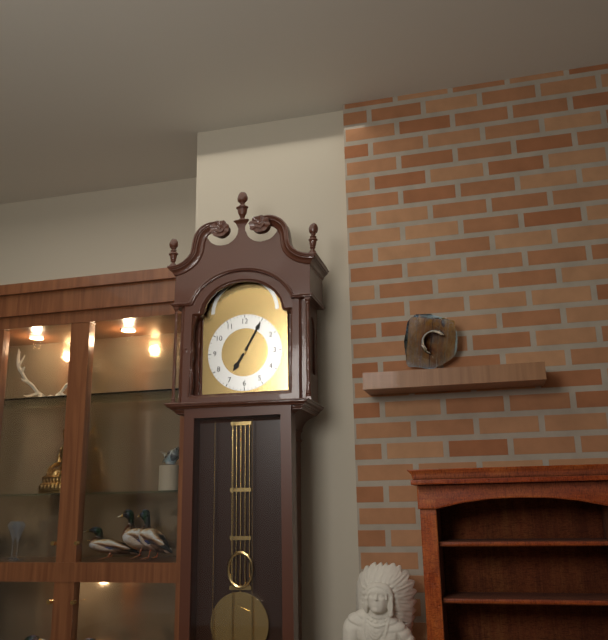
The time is 7:05
